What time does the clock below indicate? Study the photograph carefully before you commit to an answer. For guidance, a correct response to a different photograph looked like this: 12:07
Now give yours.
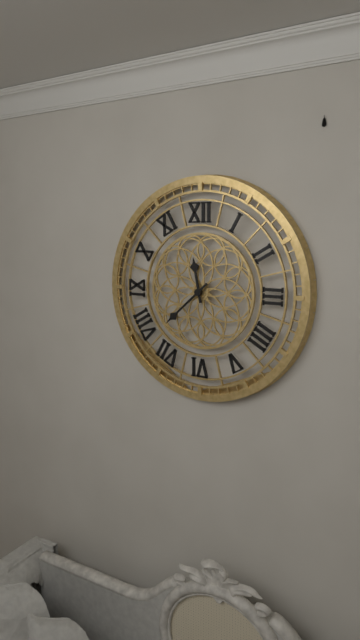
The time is 11:38
